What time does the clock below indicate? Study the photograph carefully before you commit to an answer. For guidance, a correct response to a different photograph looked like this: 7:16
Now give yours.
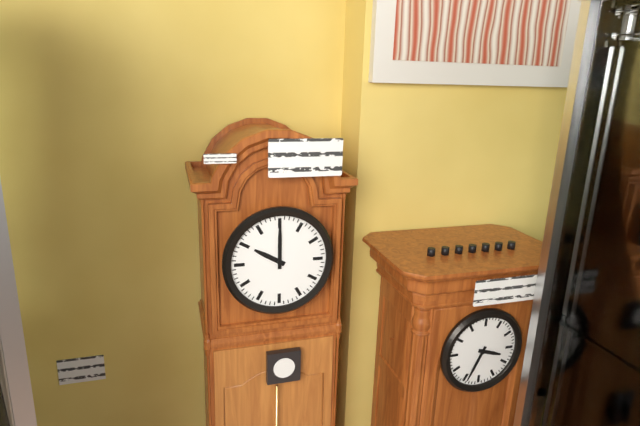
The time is 10:00
